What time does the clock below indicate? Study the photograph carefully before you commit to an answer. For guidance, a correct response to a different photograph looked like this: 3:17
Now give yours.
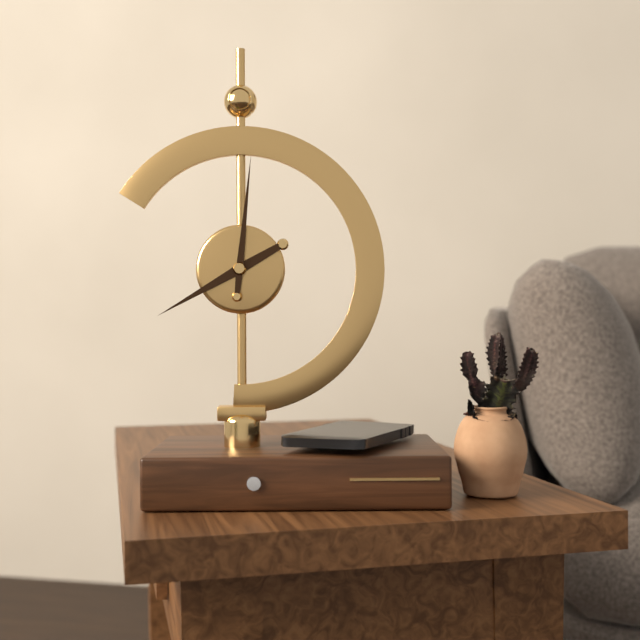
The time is 8:01
